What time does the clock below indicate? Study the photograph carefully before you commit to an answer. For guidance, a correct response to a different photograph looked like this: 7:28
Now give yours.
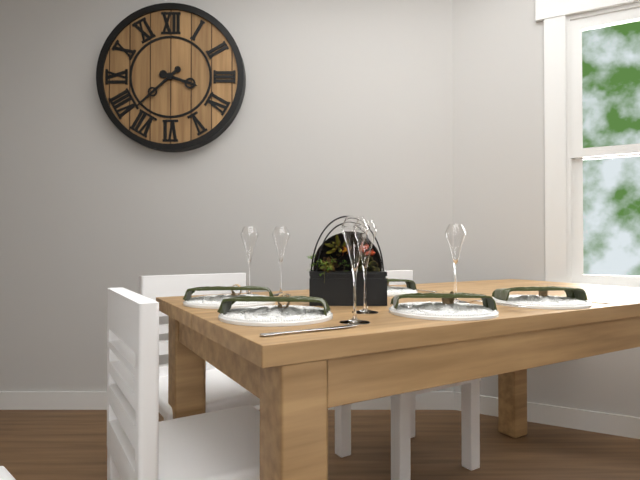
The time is 3:38
